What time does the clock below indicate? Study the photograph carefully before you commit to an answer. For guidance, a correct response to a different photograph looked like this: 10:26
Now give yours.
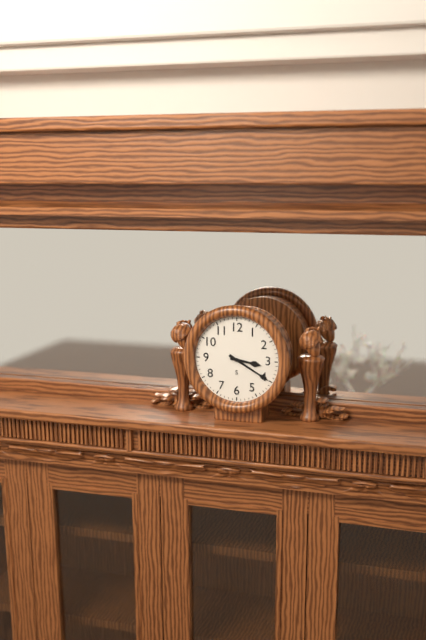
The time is 3:20
